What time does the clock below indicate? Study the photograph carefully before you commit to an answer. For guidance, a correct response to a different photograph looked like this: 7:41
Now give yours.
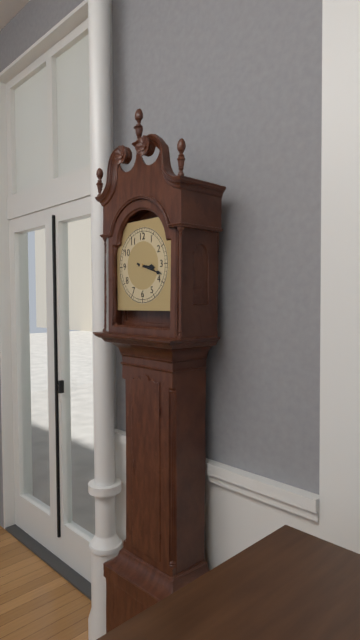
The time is 3:18
